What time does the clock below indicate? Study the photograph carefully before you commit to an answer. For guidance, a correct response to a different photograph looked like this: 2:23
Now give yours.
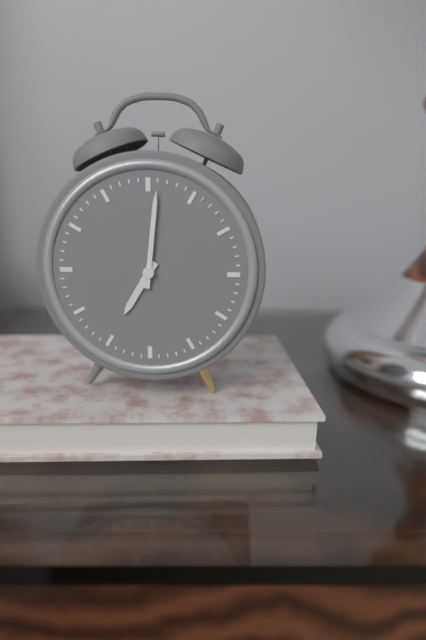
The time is 7:01
